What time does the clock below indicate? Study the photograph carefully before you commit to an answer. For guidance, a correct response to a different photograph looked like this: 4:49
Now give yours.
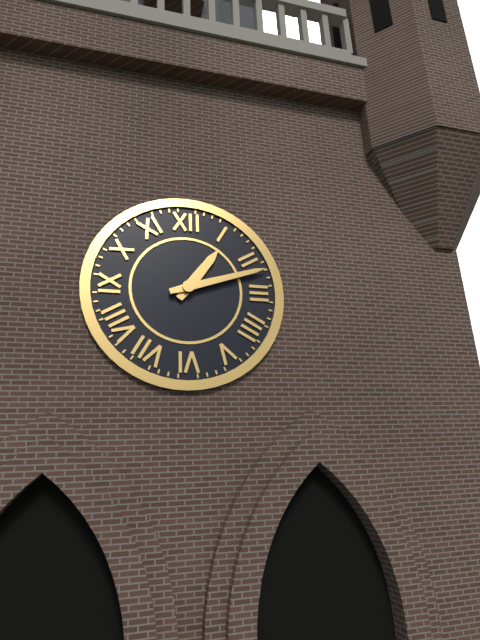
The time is 1:12
